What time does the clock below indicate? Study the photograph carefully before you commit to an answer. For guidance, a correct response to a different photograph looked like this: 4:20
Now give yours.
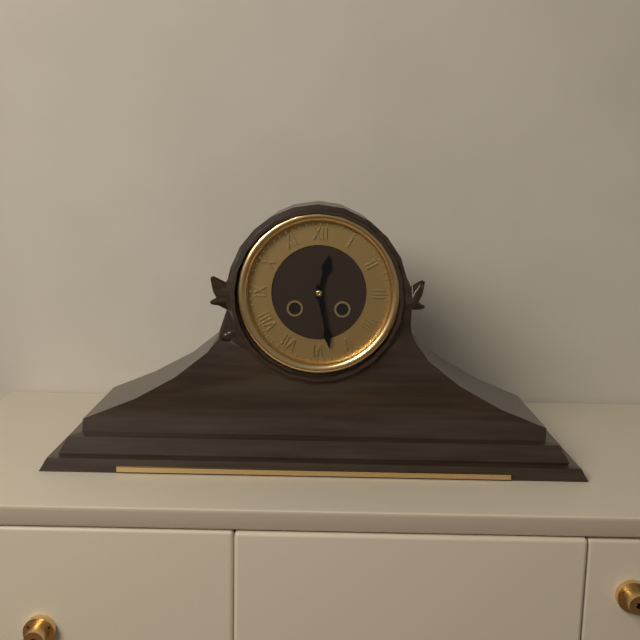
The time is 12:28
